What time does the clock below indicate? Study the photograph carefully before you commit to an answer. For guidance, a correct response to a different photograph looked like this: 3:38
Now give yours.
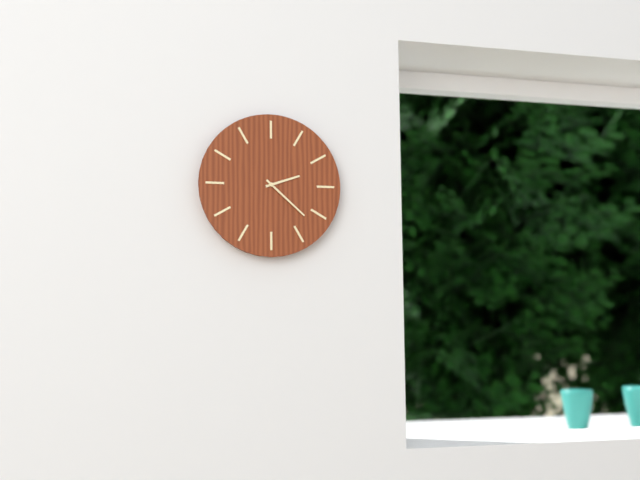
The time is 2:22
